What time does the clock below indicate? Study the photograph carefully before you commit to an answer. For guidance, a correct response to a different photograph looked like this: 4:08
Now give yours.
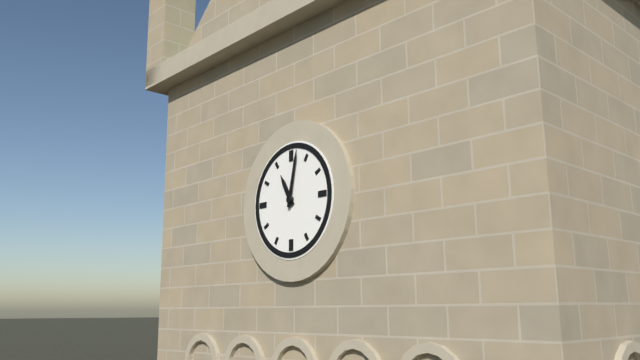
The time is 11:02
